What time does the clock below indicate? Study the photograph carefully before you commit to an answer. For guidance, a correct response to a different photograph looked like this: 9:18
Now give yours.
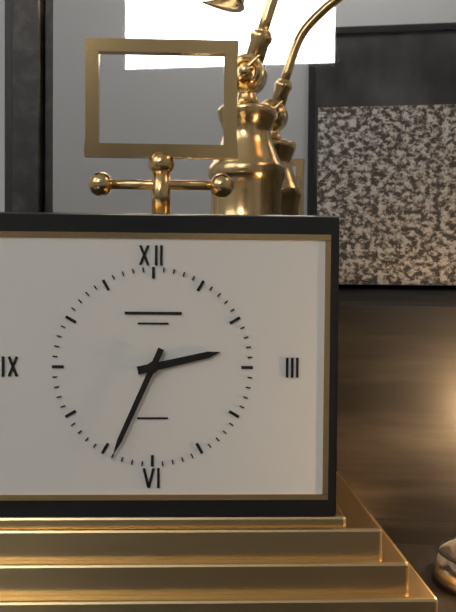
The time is 2:34
